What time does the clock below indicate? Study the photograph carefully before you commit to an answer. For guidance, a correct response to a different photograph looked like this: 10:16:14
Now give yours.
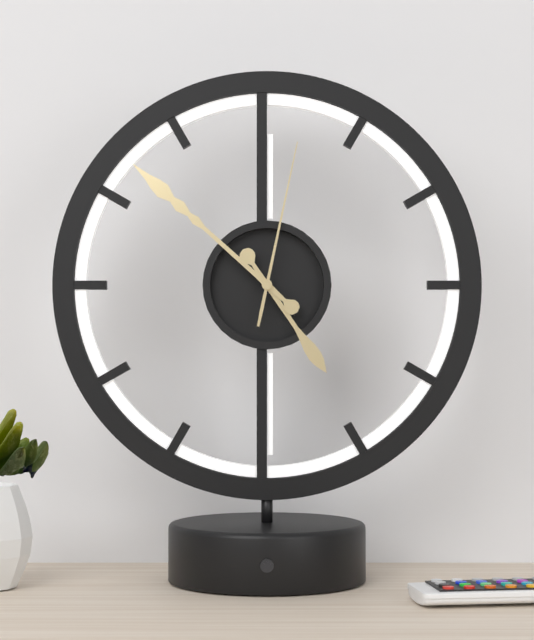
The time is 4:52:02
